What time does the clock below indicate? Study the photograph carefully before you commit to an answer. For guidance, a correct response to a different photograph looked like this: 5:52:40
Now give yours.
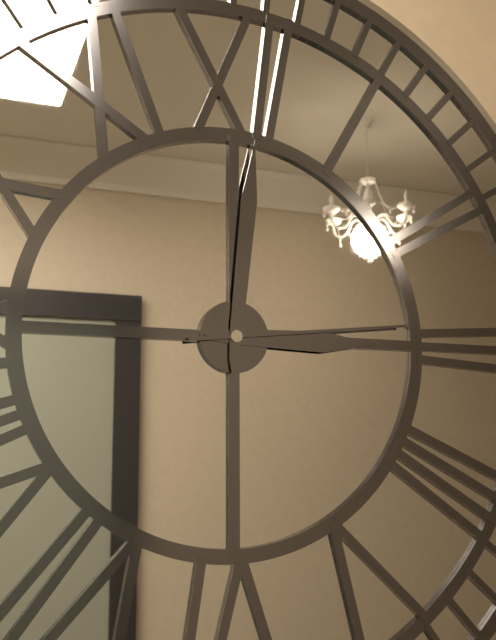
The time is 3:01:14
